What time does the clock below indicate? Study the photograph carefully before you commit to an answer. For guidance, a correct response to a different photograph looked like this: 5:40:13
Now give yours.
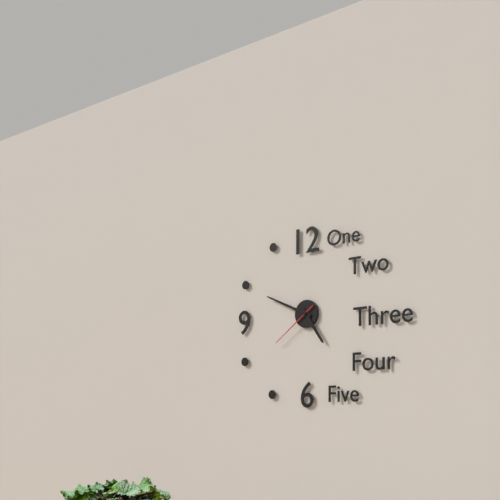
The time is 4:49:39
